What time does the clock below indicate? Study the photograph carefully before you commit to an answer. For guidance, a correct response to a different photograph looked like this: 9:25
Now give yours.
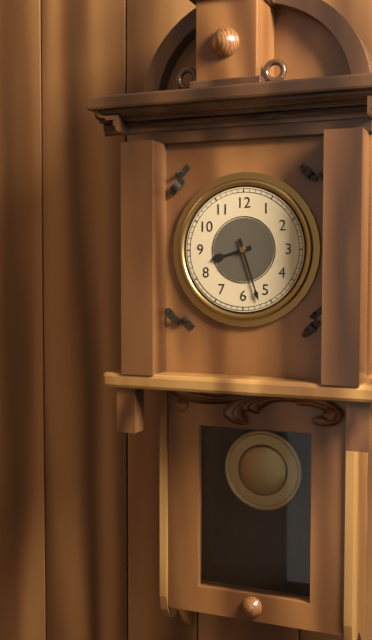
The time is 8:27
